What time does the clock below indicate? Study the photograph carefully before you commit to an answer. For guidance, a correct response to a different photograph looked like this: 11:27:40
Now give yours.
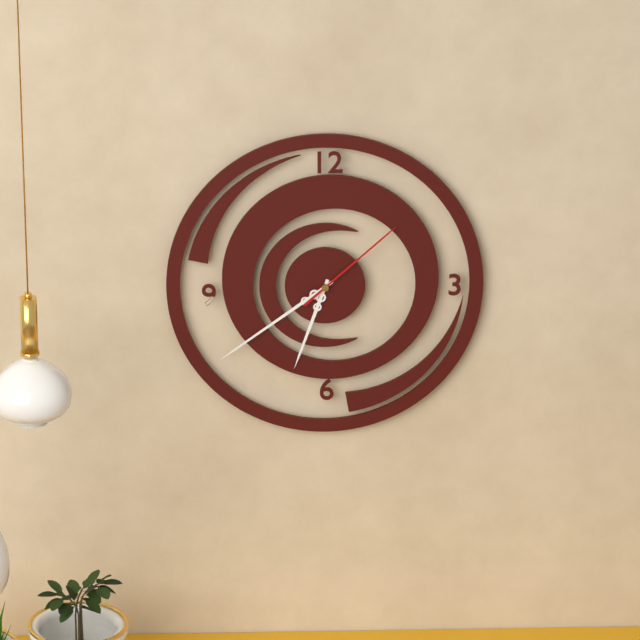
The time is 6:39:08
